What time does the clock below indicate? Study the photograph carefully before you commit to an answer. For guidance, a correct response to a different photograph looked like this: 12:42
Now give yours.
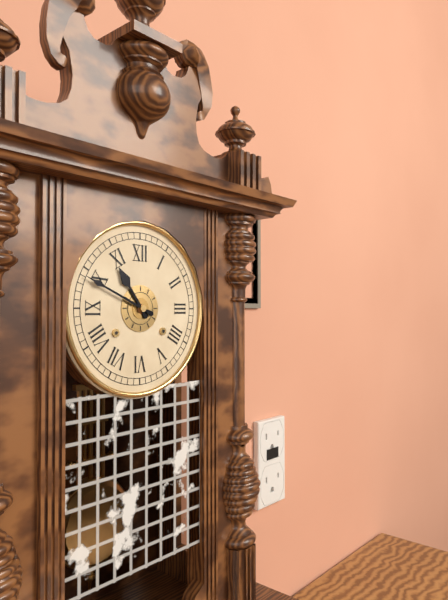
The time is 10:49
